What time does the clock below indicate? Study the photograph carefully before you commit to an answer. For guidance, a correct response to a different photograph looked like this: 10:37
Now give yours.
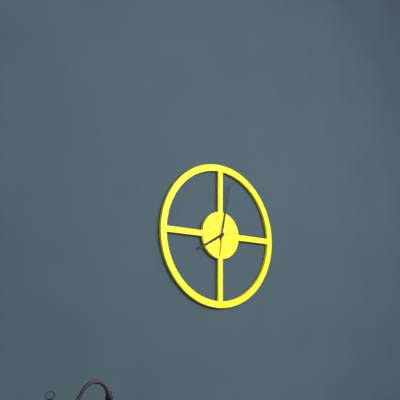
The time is 8:02
